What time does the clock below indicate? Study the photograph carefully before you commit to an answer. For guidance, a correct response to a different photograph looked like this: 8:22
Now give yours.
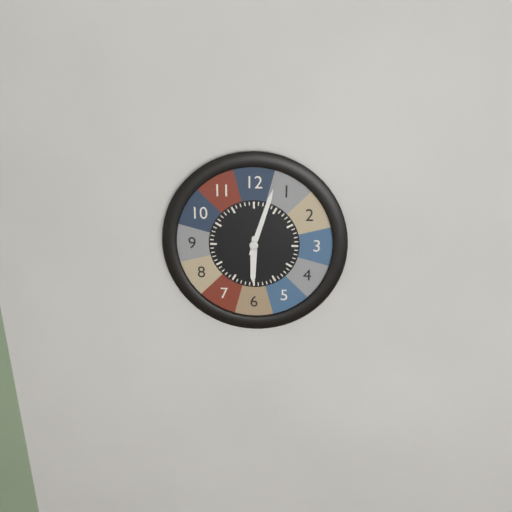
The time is 6:03
